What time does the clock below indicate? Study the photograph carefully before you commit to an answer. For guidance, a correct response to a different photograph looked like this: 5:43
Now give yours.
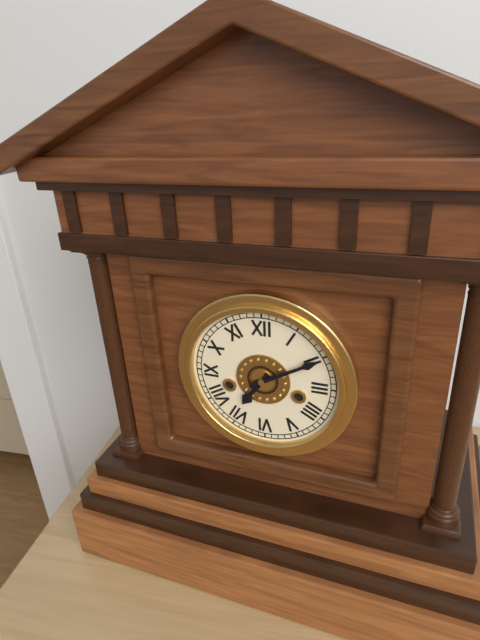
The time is 7:10
